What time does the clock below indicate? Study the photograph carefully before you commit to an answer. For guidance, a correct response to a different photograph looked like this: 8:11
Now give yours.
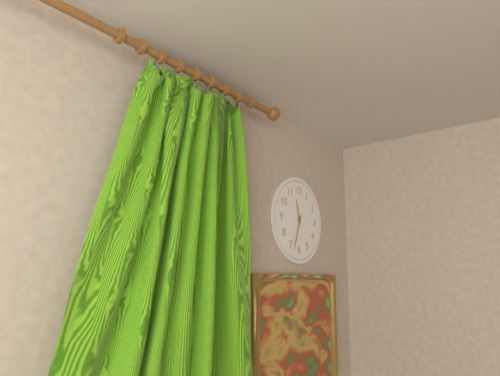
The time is 11:33
